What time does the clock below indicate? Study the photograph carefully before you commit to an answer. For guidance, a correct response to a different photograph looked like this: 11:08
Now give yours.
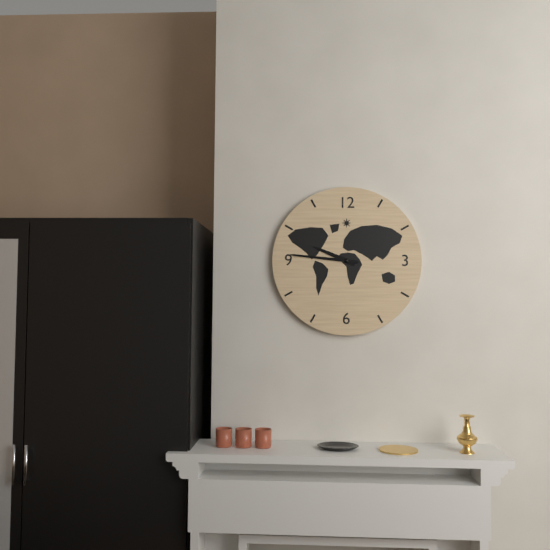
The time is 9:46
